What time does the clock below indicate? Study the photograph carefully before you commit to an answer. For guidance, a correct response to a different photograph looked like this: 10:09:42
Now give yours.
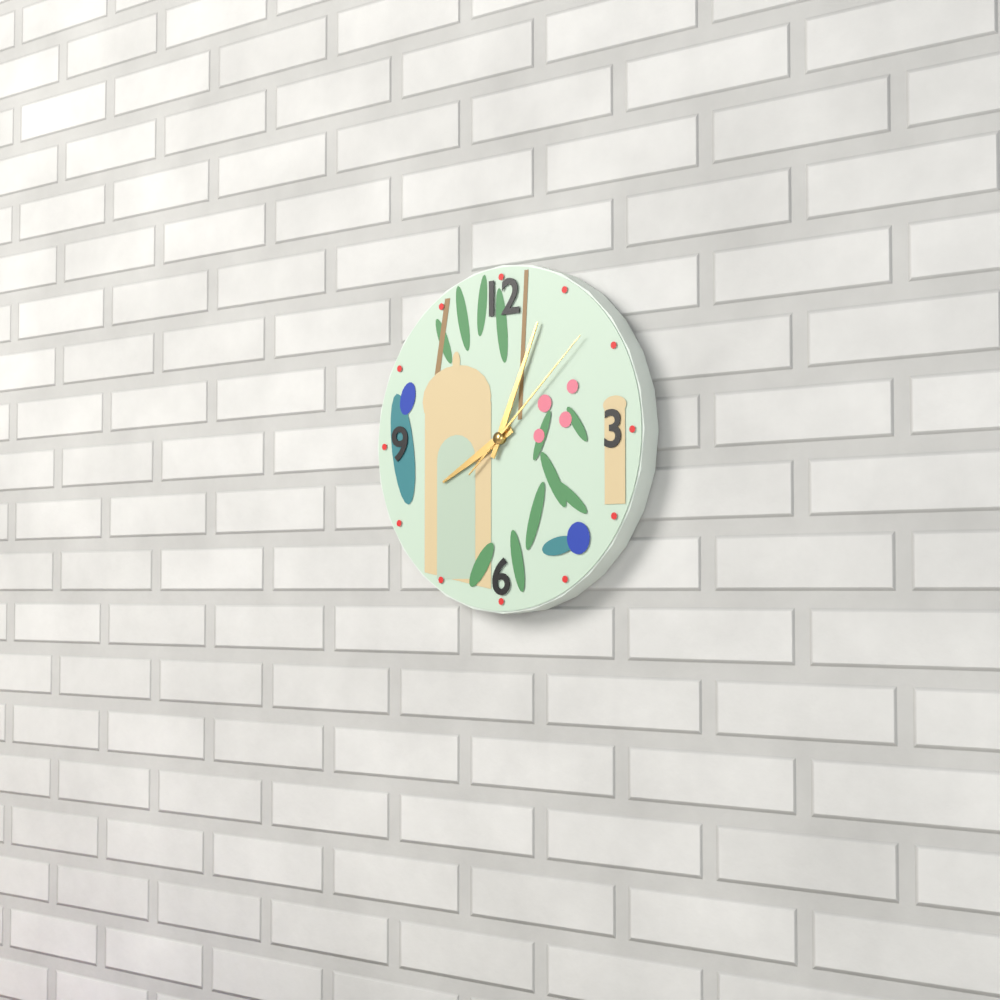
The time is 8:04:08
